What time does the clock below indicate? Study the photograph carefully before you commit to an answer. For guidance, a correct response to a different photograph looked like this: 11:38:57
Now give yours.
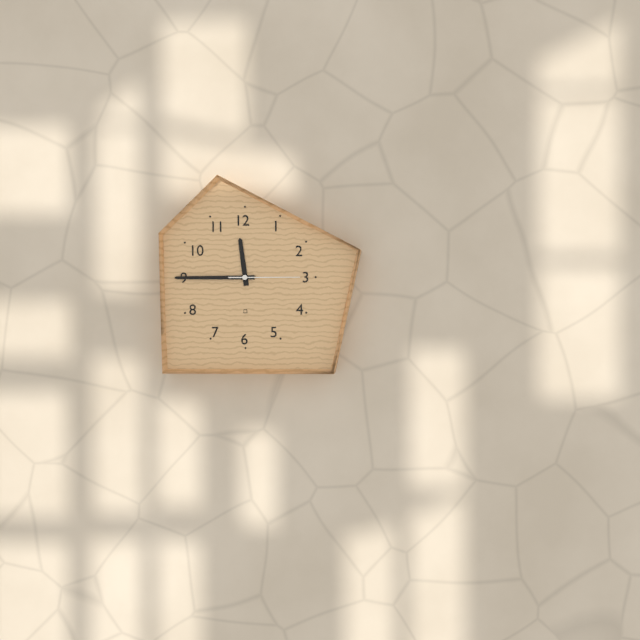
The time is 11:45:15
